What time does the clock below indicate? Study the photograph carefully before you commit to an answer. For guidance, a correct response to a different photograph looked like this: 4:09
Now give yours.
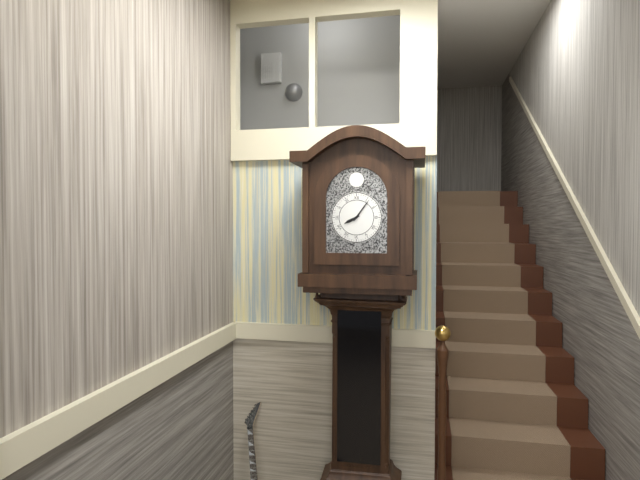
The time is 8:06
